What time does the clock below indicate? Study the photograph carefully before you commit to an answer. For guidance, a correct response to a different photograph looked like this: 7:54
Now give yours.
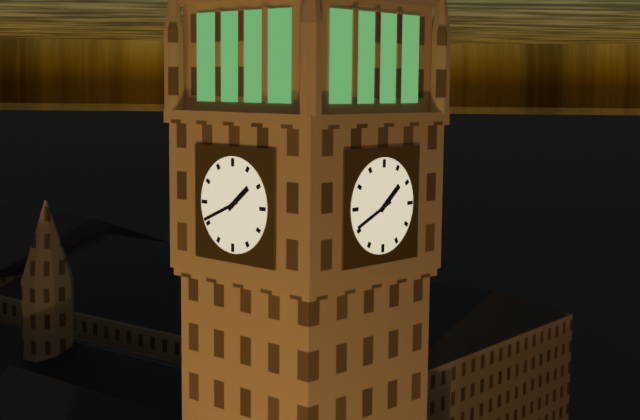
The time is 1:41
